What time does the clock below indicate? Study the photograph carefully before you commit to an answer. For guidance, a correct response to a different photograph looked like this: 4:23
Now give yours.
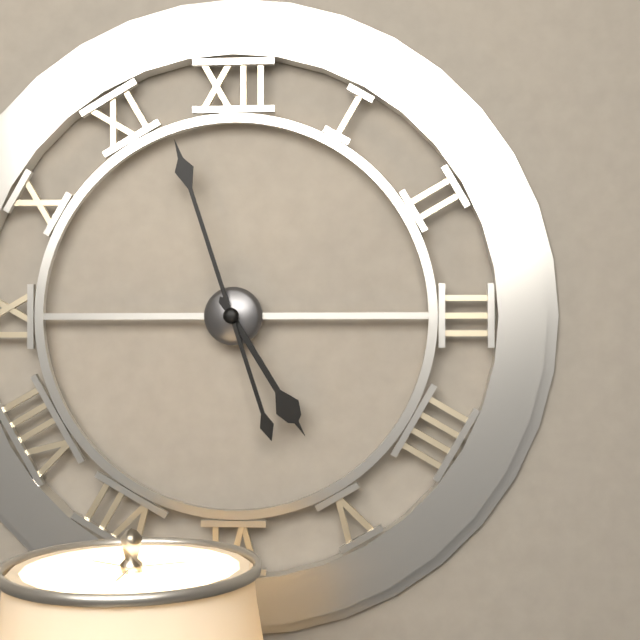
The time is 4:57
